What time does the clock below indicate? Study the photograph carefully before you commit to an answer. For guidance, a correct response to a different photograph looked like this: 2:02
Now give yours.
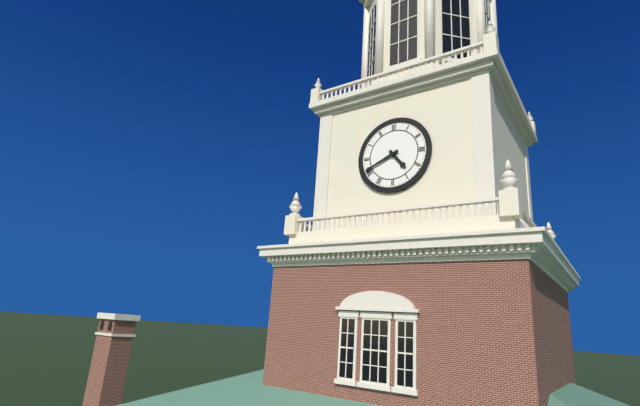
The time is 4:41
